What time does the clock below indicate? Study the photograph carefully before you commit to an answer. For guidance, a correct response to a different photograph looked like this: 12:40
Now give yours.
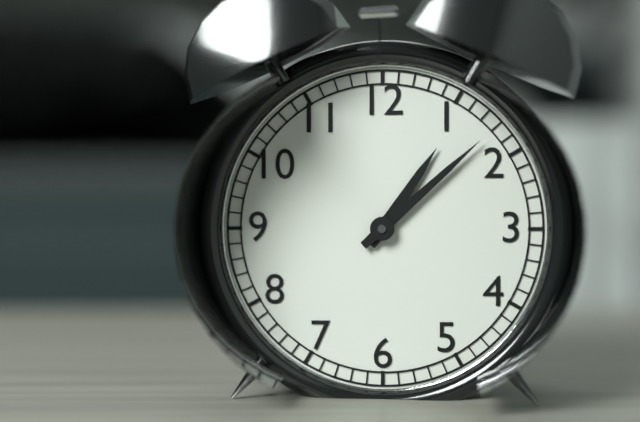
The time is 1:08
